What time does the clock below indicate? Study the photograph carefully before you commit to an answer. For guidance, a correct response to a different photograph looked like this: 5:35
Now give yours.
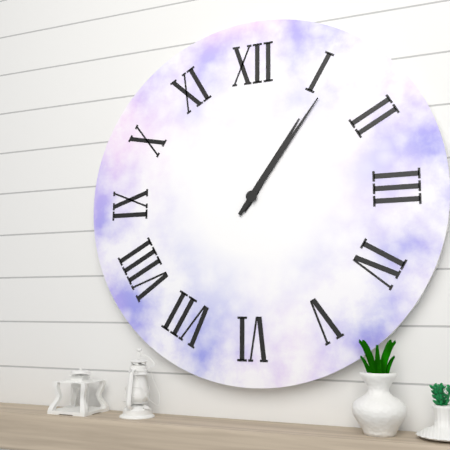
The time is 1:06
